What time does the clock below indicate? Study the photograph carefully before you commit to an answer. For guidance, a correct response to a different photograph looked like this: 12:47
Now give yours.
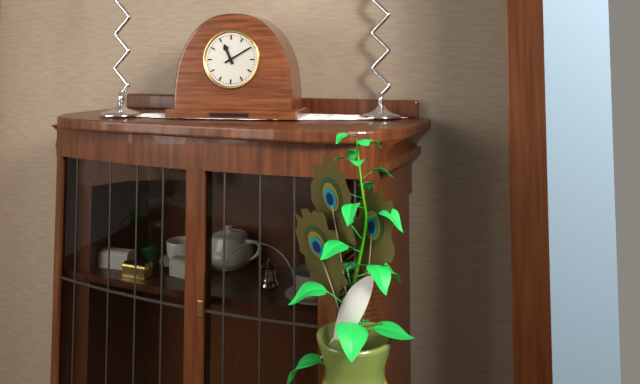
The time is 11:10
